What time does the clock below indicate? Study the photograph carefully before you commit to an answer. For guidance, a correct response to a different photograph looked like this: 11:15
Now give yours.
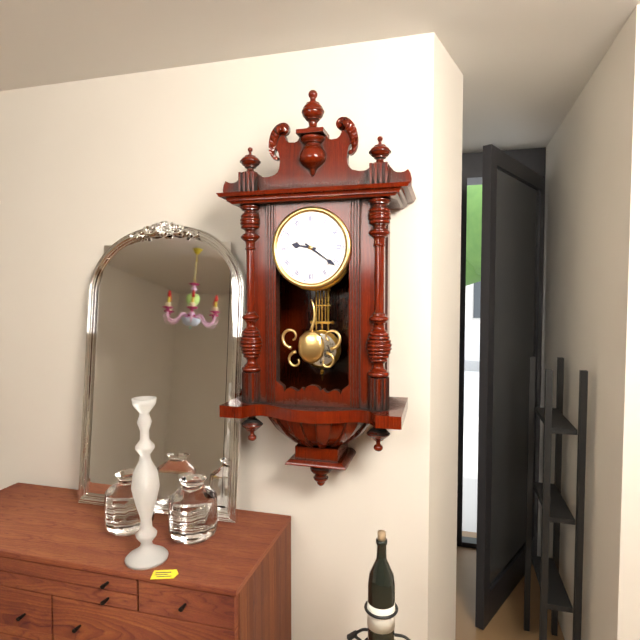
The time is 9:21
